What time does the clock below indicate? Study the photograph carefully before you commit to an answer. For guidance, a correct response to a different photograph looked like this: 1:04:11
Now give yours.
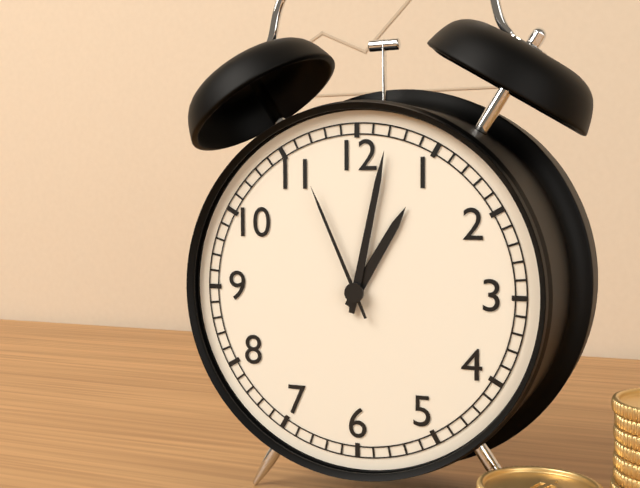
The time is 1:02:56
